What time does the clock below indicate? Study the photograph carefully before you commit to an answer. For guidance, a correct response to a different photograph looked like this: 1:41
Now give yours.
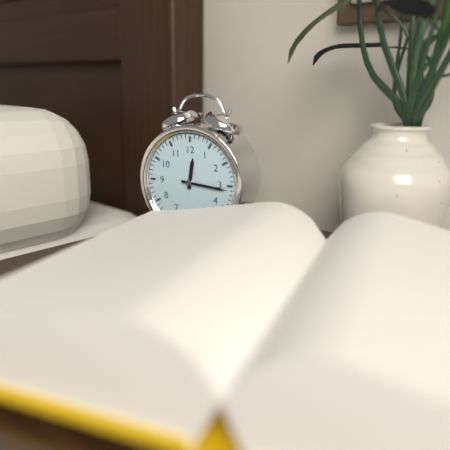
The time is 12:16
